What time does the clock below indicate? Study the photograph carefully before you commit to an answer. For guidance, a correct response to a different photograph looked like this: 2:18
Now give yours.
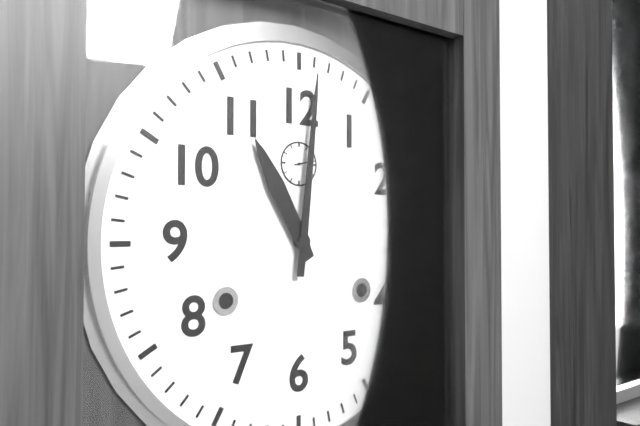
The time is 11:01
